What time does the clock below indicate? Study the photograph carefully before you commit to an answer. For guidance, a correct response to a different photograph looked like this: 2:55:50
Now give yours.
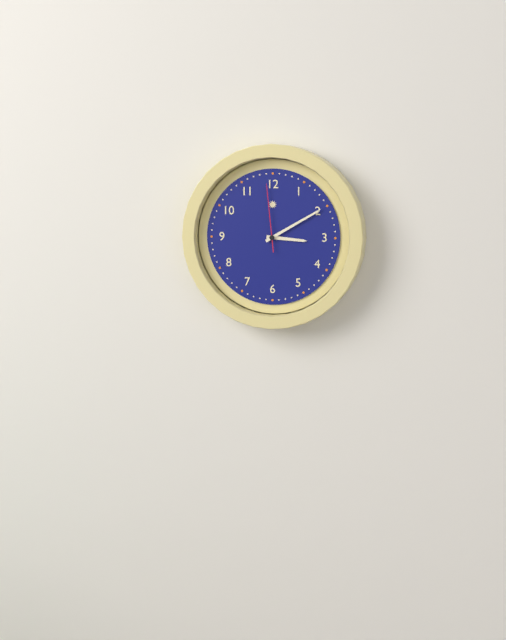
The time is 3:10:59
